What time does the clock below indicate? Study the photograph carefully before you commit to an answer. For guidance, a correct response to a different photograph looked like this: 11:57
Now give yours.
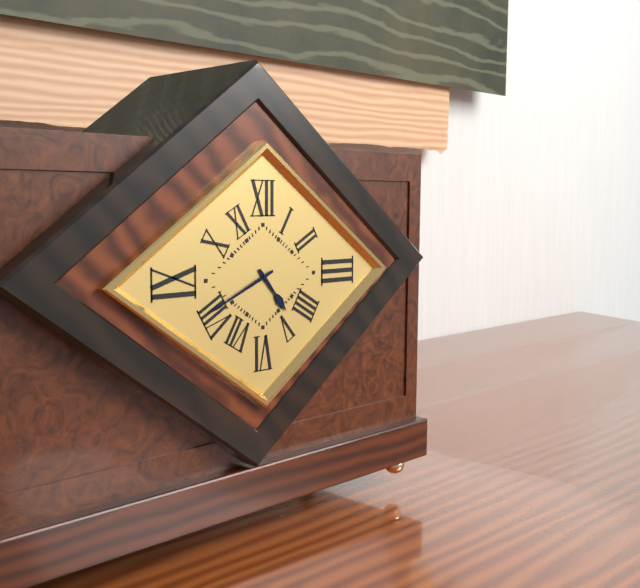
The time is 4:41
